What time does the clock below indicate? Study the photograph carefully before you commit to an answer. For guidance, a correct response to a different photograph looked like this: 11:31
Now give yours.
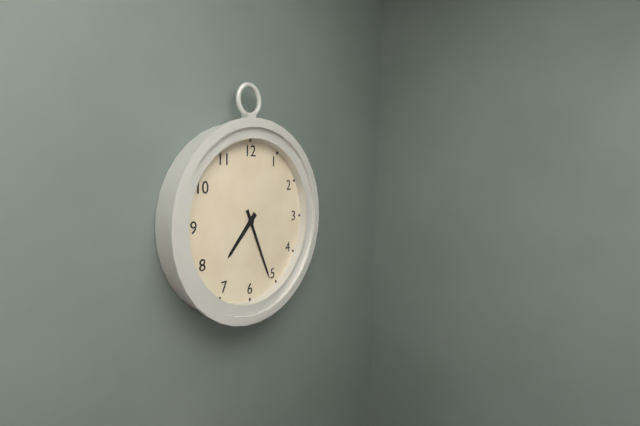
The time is 7:26
